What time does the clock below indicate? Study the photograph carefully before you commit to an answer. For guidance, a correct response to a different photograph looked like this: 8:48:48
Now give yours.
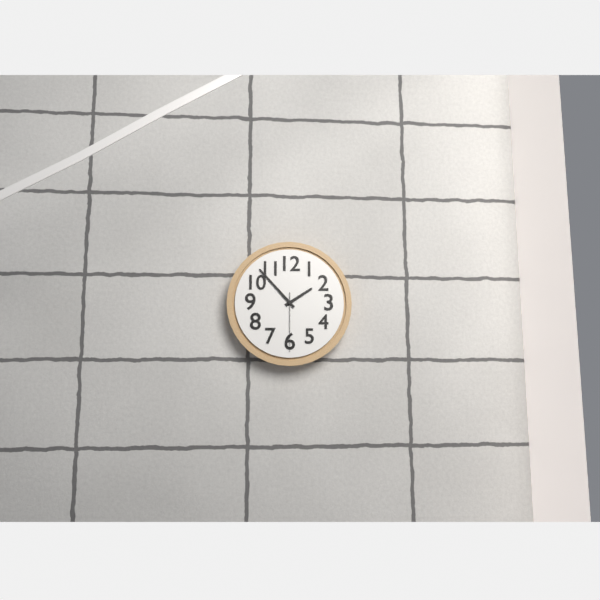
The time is 1:53:30
